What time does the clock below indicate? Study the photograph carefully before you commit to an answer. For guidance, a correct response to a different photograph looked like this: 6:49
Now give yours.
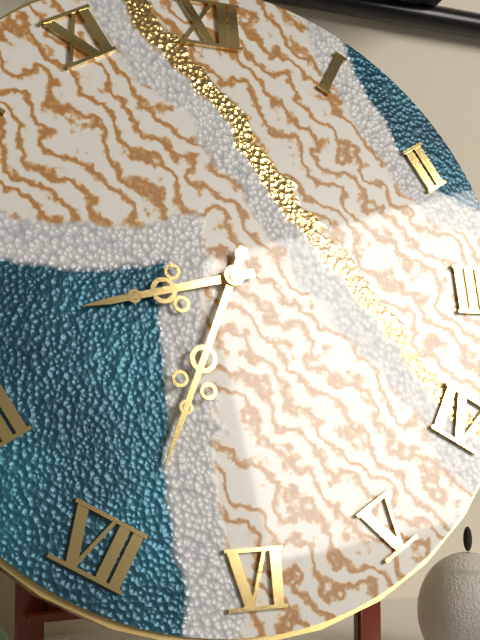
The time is 8:34
